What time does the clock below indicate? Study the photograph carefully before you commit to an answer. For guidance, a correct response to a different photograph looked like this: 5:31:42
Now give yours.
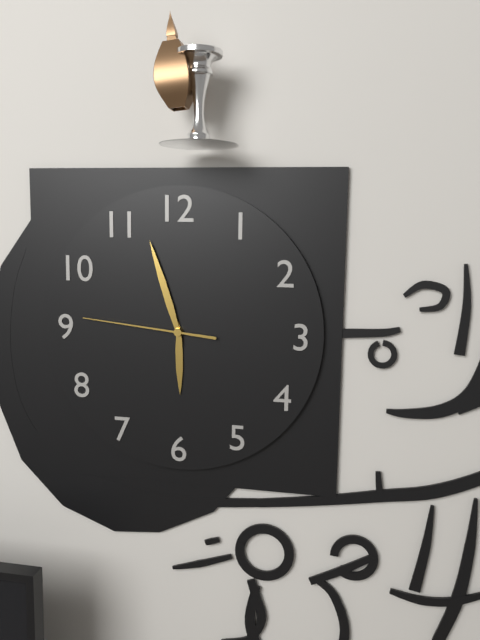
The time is 5:57:46
